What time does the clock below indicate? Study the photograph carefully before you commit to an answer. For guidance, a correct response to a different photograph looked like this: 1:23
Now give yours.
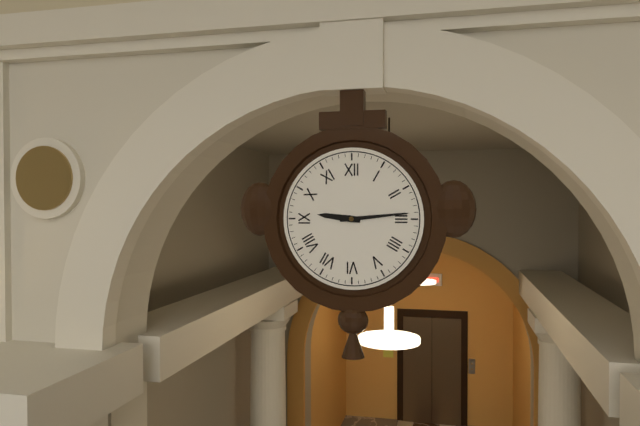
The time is 9:14
